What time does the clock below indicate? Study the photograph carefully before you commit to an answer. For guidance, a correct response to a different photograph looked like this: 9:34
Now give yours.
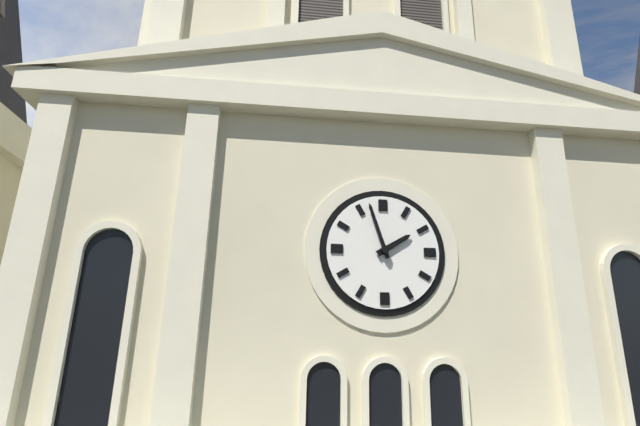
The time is 1:57
